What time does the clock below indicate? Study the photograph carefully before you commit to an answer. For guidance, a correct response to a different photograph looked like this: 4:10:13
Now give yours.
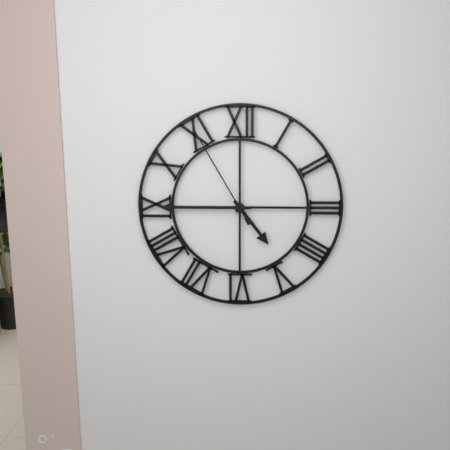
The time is 4:45:55
